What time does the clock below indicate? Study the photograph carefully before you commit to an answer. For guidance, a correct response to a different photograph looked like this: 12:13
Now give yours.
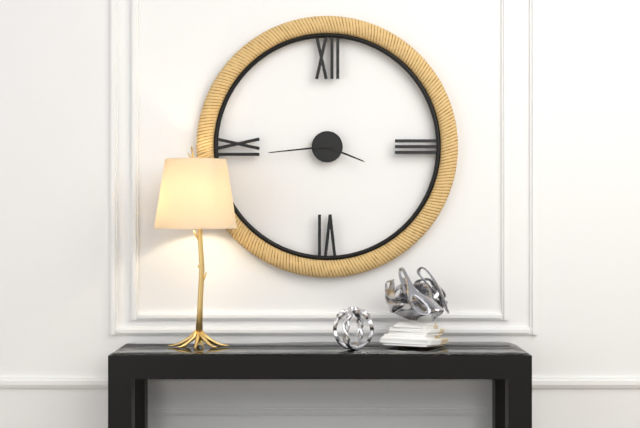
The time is 3:44
